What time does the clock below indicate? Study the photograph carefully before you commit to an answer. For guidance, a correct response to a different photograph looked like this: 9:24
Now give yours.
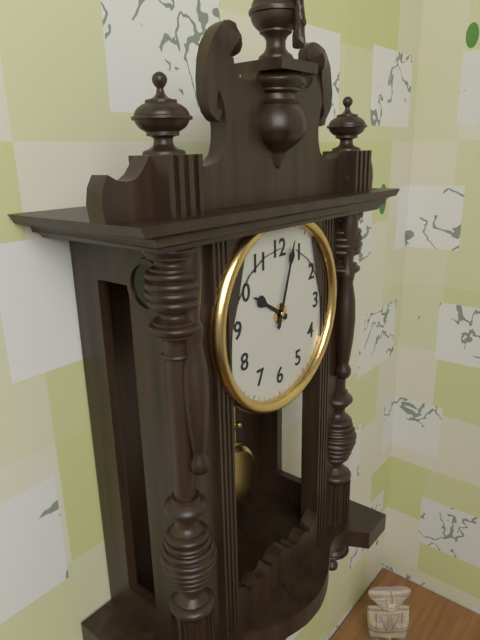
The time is 10:03
